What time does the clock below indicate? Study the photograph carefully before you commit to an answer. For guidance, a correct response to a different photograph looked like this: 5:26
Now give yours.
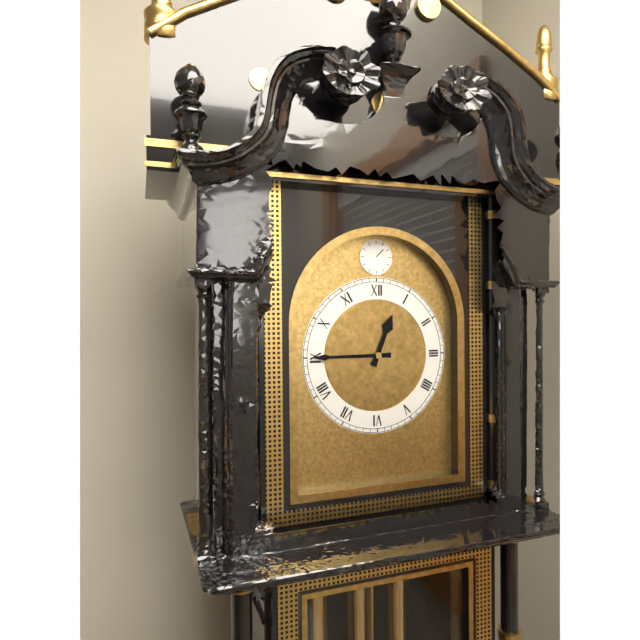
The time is 12:45
